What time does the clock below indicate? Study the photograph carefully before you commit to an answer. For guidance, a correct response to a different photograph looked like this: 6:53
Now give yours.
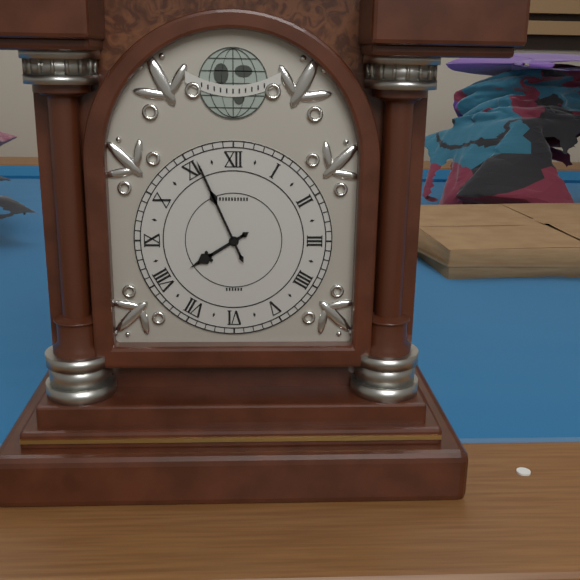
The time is 7:56
